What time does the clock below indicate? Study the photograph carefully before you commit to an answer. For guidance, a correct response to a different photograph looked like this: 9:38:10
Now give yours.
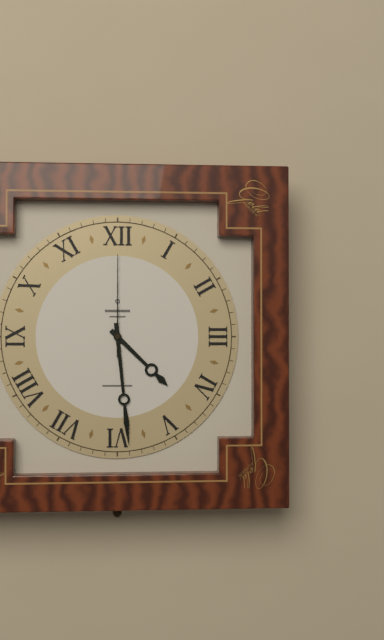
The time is 4:29:00
